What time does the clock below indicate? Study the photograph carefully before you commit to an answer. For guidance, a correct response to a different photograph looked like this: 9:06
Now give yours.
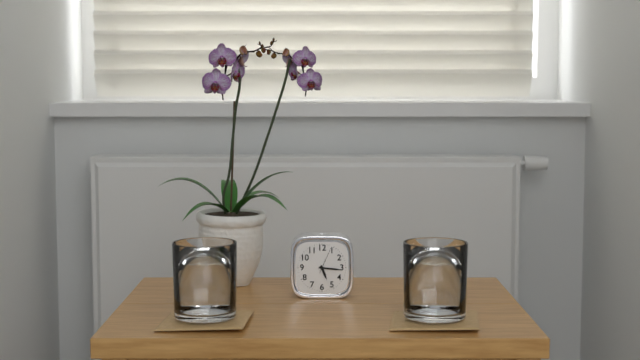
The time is 5:16
